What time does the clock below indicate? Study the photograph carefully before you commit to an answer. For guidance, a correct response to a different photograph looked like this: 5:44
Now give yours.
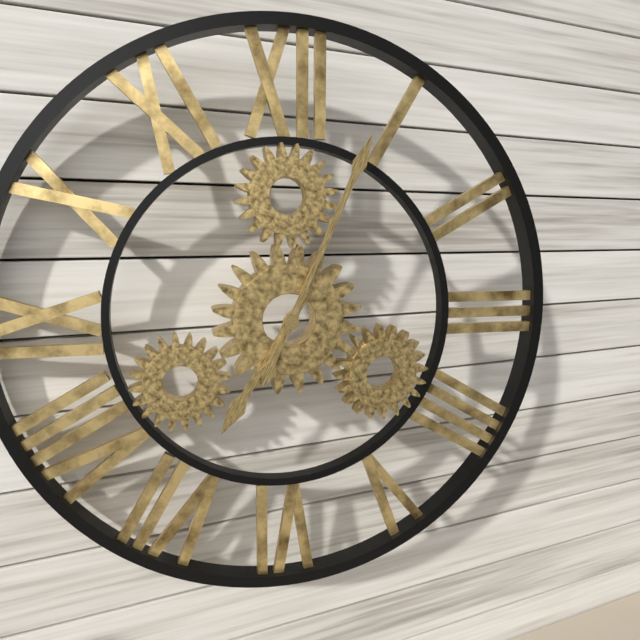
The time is 7:04
